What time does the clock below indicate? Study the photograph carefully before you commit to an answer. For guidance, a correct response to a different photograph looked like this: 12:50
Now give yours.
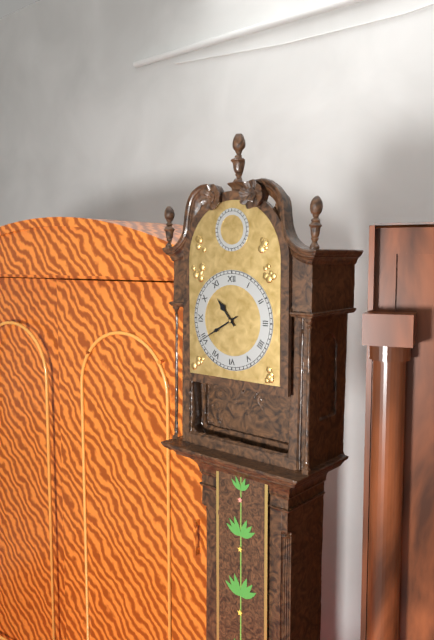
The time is 10:40
